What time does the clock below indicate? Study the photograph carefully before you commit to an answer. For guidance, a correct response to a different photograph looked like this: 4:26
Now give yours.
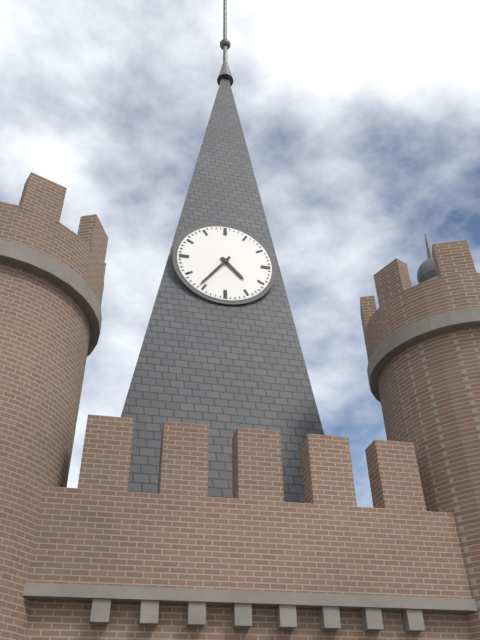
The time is 4:36
